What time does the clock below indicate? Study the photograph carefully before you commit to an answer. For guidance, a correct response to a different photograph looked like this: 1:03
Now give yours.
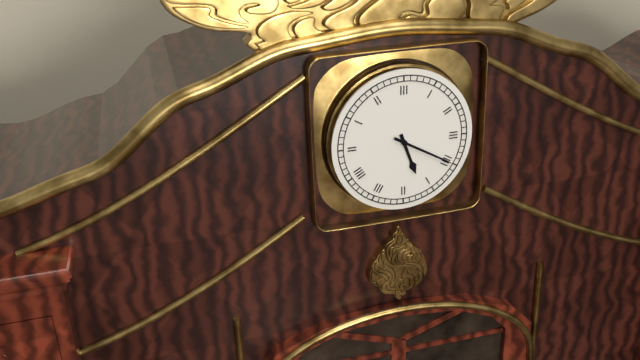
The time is 5:20
